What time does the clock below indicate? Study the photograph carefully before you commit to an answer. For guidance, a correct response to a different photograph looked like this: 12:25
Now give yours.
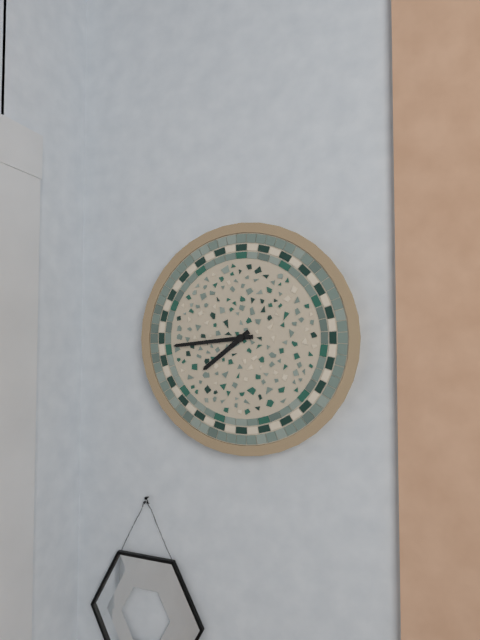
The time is 7:44
